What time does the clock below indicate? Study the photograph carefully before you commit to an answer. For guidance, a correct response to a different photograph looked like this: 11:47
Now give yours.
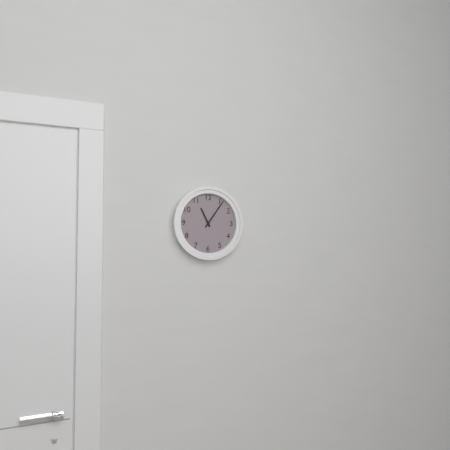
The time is 11:06
